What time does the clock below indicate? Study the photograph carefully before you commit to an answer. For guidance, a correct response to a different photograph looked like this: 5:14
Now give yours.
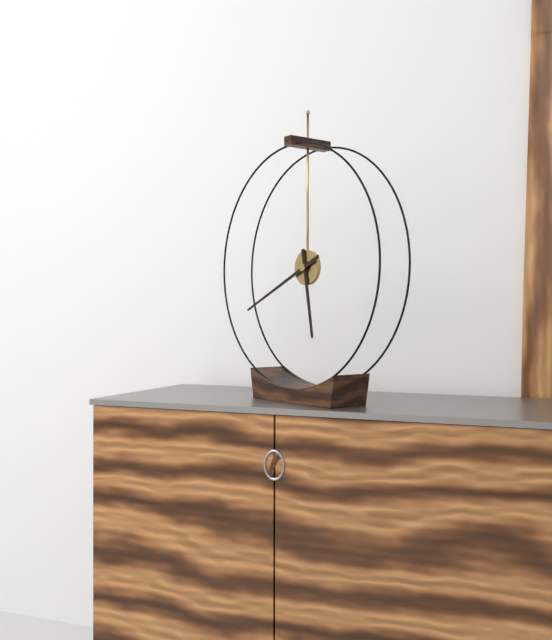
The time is 5:41
